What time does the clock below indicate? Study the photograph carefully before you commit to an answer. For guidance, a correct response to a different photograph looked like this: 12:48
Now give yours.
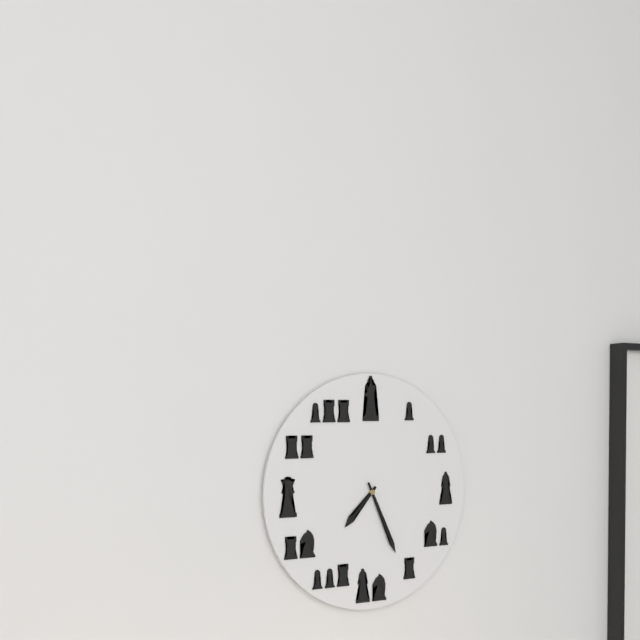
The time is 7:26
